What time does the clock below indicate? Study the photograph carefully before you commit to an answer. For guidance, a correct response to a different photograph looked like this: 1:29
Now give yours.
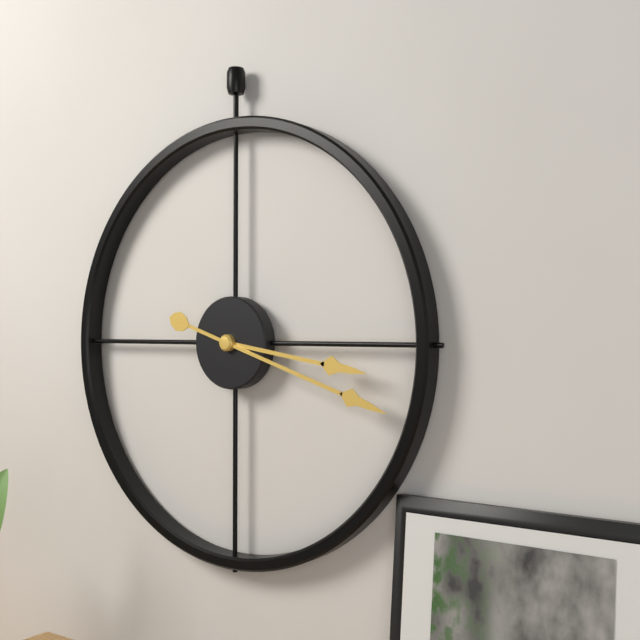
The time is 3:18
